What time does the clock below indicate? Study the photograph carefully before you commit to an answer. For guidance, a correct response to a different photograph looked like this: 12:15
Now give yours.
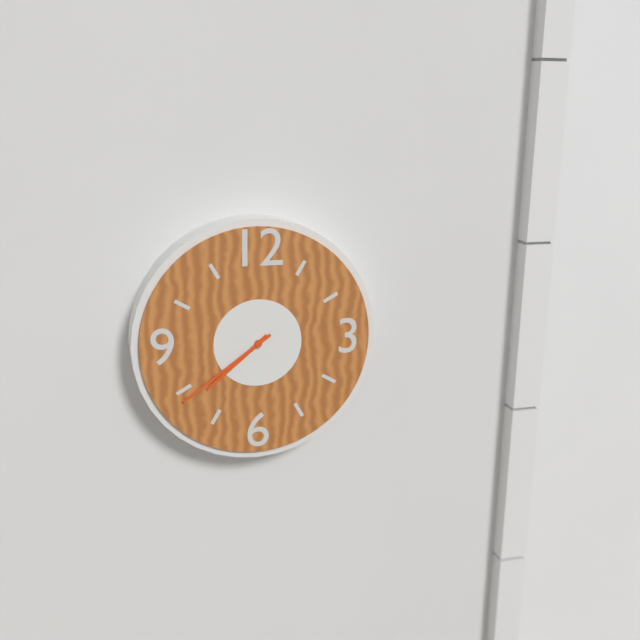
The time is 7:39
